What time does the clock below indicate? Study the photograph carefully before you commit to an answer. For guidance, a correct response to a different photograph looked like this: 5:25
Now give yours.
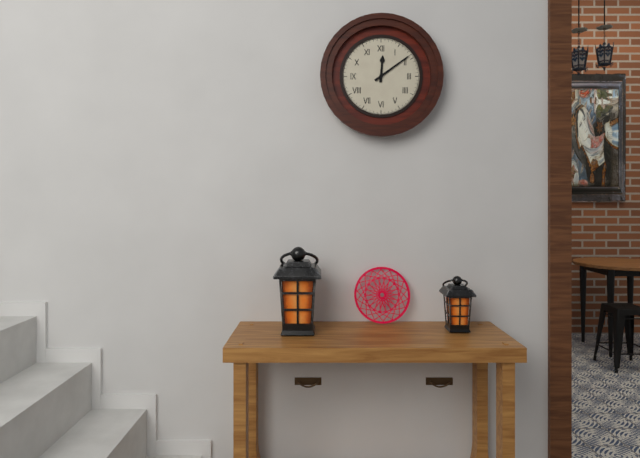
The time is 12:09
